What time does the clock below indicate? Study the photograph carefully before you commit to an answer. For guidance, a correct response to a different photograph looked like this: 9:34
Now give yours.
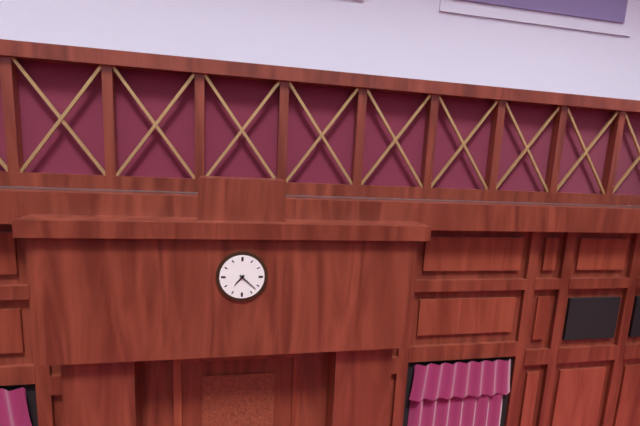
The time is 7:22
